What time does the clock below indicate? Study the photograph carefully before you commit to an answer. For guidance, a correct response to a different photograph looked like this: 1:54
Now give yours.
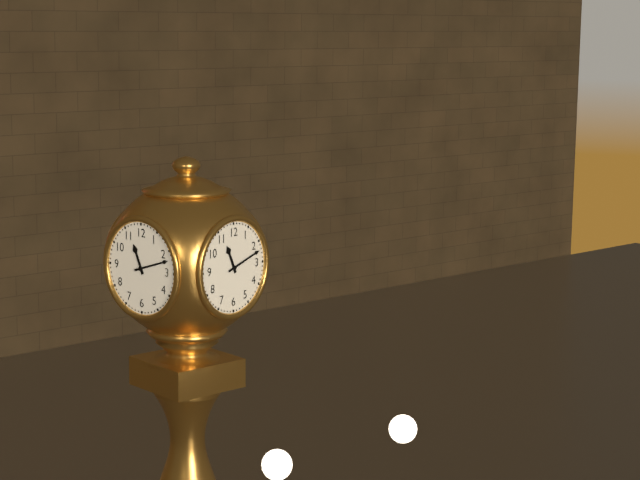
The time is 11:12
